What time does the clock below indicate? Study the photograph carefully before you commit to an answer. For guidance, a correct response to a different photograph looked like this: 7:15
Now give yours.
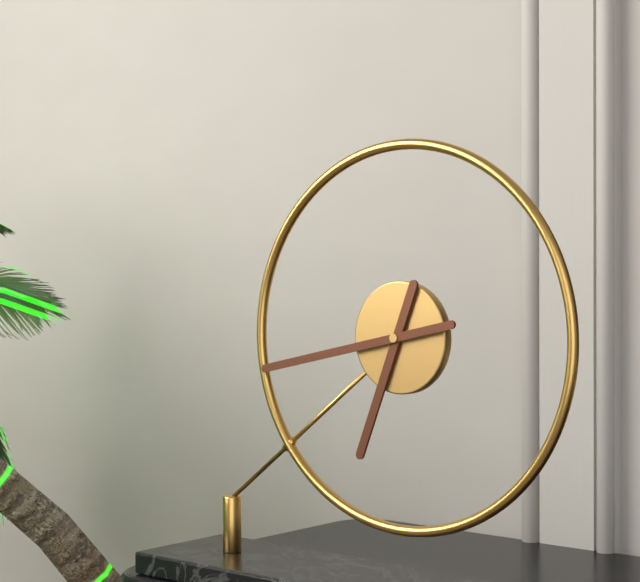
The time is 6:43
